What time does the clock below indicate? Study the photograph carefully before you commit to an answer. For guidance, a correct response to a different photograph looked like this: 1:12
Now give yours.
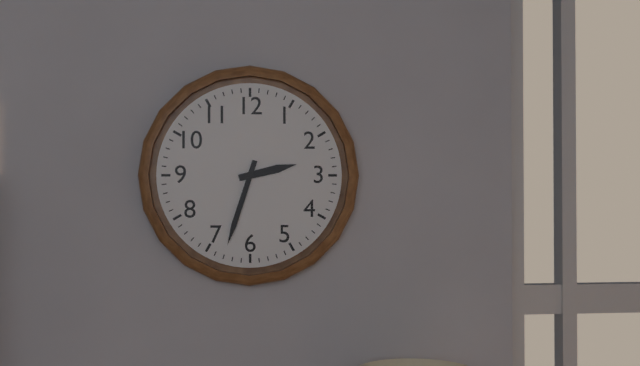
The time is 2:33
